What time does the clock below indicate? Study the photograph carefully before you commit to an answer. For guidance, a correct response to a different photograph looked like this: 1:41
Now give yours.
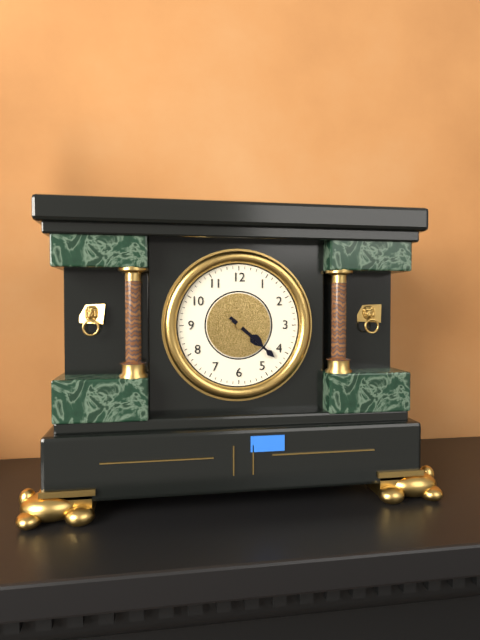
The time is 4:22
